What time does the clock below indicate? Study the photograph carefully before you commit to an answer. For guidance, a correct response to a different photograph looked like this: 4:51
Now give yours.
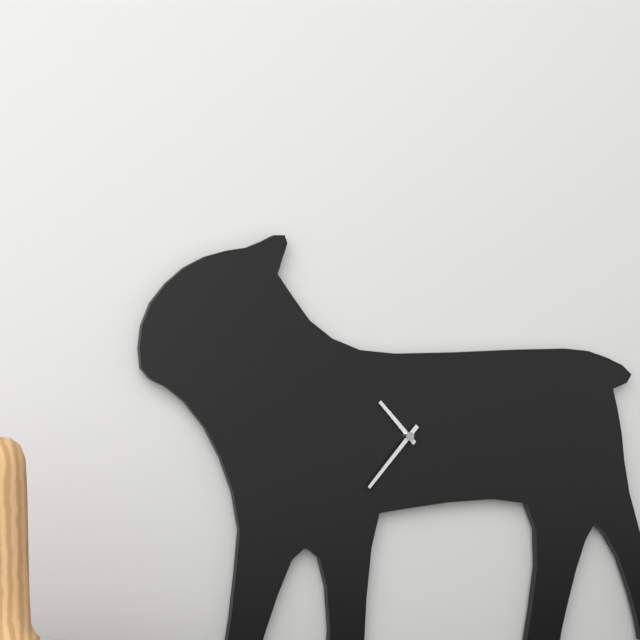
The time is 10:37
